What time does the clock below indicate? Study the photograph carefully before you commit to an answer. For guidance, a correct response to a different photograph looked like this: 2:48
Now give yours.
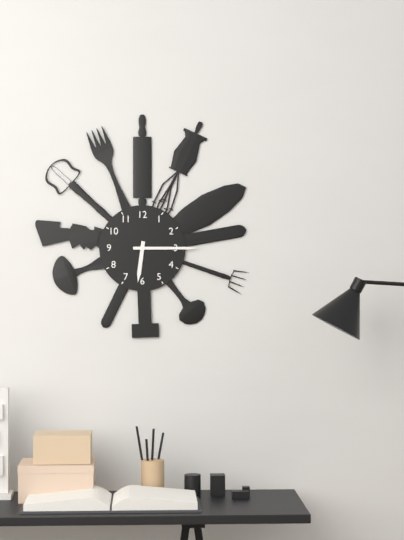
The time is 6:15
